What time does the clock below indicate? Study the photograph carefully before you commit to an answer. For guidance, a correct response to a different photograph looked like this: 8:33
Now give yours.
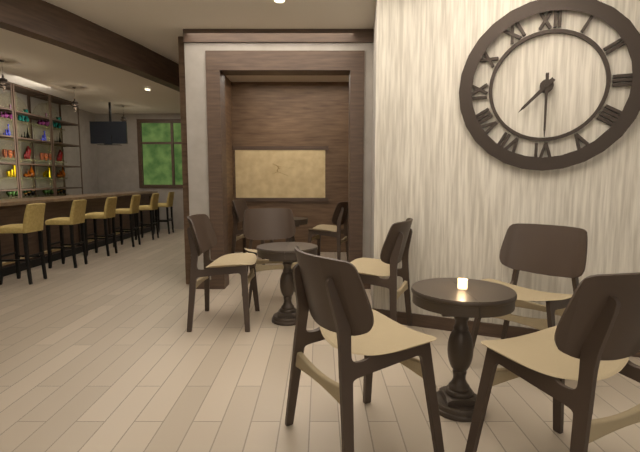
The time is 7:30
